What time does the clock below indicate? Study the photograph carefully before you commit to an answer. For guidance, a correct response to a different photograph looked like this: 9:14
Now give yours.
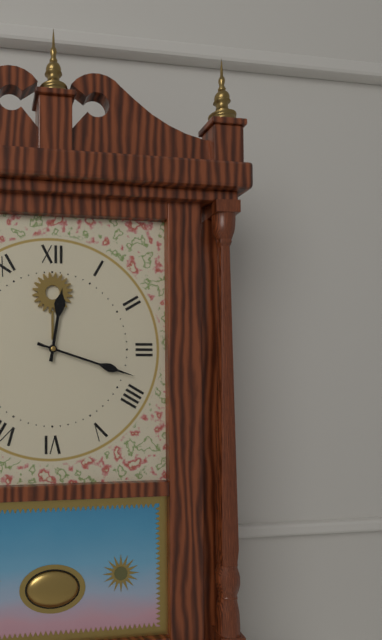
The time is 12:18
